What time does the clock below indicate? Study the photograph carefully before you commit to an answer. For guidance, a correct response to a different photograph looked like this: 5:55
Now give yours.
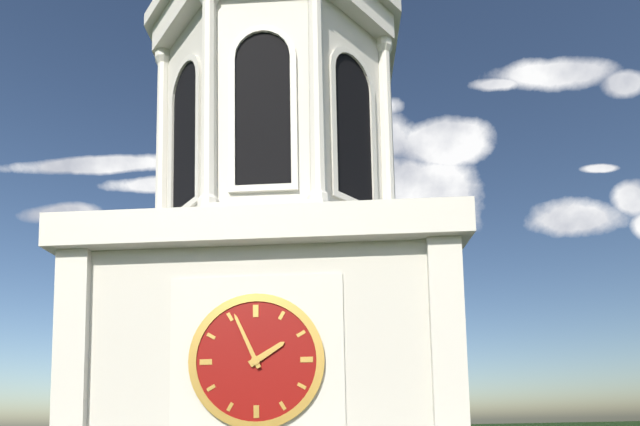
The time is 1:56
